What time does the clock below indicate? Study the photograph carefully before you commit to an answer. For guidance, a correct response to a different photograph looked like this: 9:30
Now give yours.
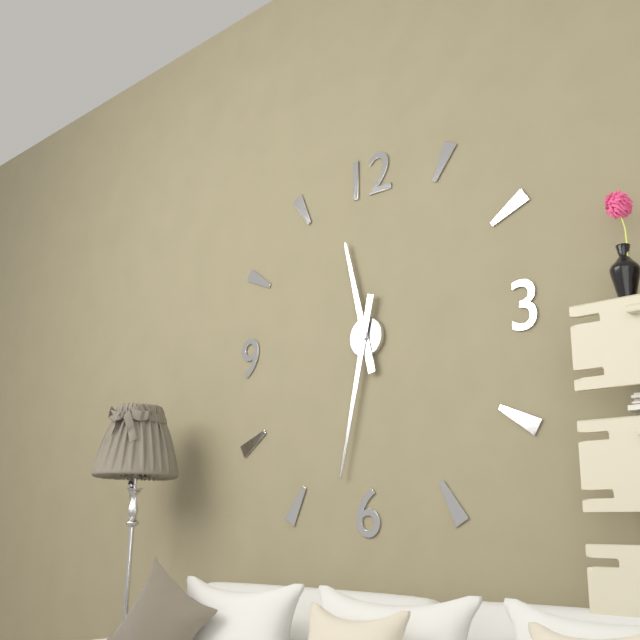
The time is 11:32
